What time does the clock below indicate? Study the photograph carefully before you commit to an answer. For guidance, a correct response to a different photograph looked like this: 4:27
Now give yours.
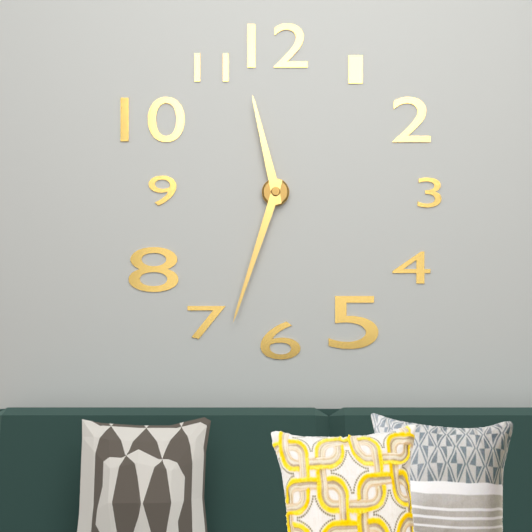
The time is 11:33
